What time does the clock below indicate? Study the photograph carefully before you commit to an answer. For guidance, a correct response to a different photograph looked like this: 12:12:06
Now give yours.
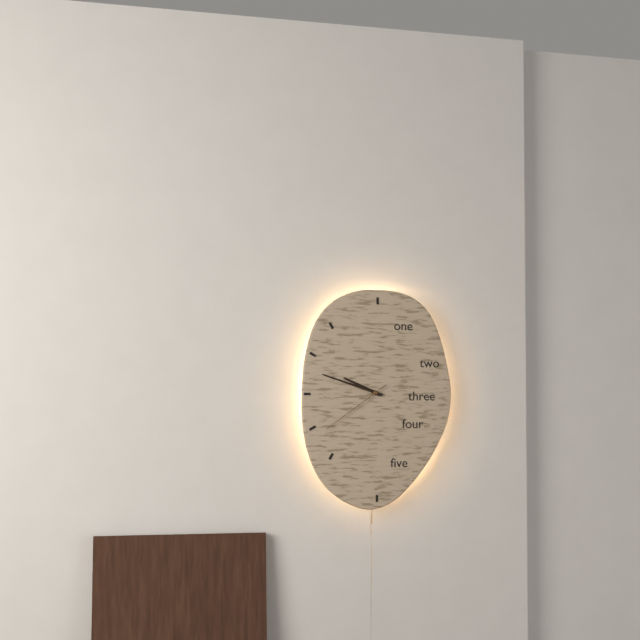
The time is 9:48:39
